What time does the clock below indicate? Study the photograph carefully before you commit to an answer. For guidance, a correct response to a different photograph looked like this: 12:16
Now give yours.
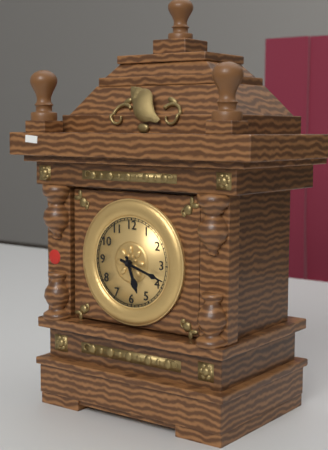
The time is 5:18
